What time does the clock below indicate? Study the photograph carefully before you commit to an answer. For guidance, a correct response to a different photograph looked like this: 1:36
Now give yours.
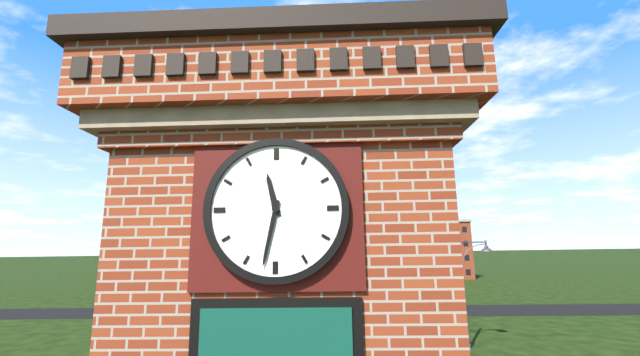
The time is 11:32
